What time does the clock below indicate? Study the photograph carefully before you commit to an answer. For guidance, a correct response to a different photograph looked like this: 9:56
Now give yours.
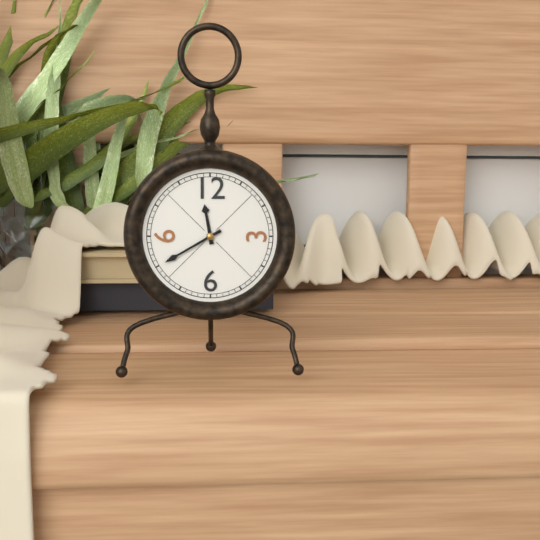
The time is 11:40
